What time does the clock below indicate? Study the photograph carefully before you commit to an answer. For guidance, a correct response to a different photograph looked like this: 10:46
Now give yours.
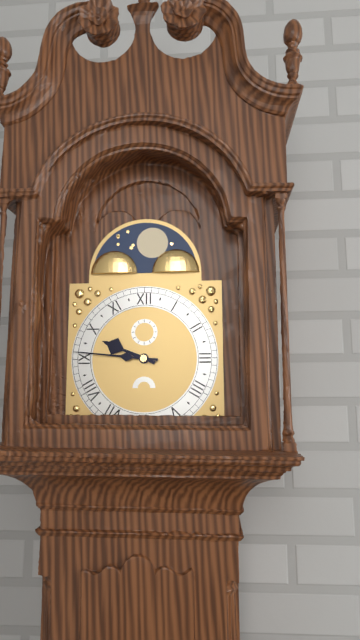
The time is 9:46
